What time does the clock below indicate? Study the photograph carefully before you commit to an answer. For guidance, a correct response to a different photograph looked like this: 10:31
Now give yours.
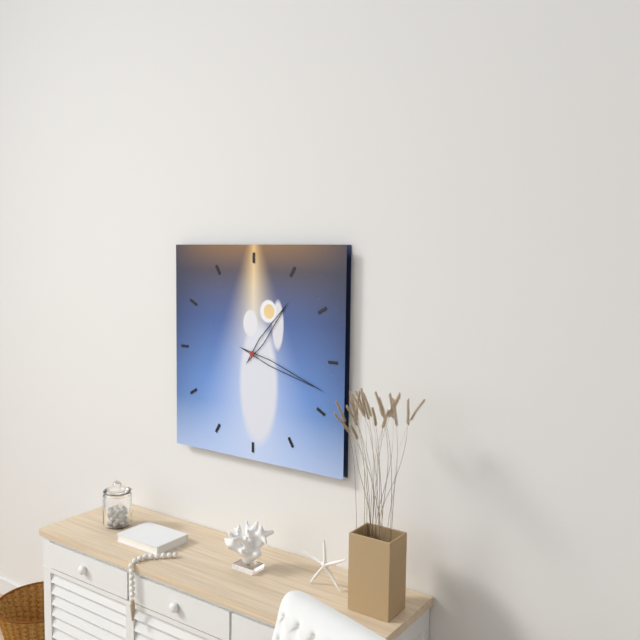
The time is 1:18
